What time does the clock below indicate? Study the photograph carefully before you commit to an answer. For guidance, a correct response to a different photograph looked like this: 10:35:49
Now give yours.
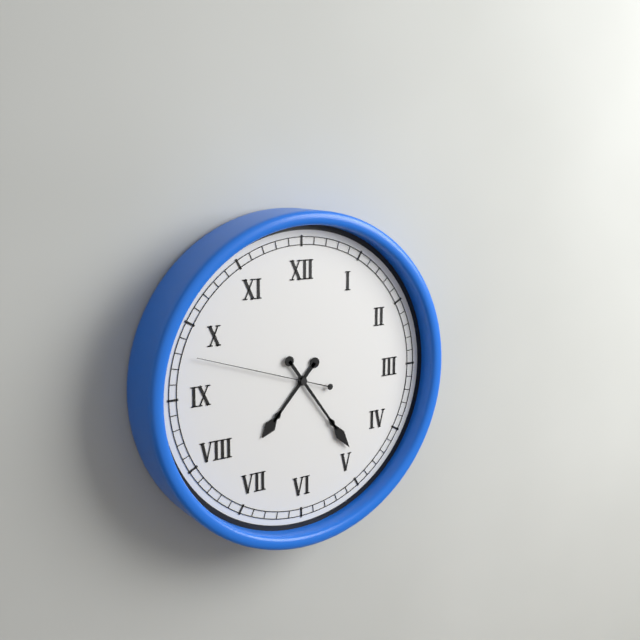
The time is 7:24:48
